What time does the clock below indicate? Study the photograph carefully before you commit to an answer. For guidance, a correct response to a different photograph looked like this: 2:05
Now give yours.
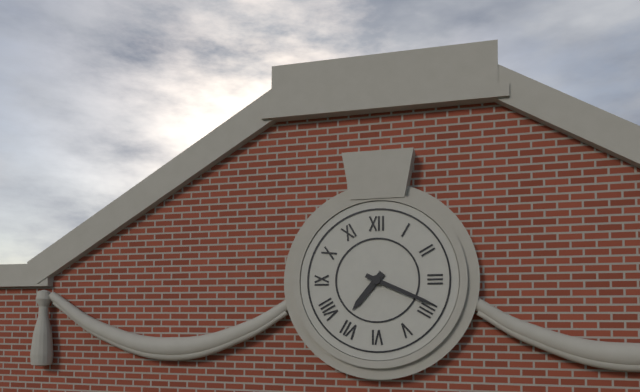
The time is 7:19
